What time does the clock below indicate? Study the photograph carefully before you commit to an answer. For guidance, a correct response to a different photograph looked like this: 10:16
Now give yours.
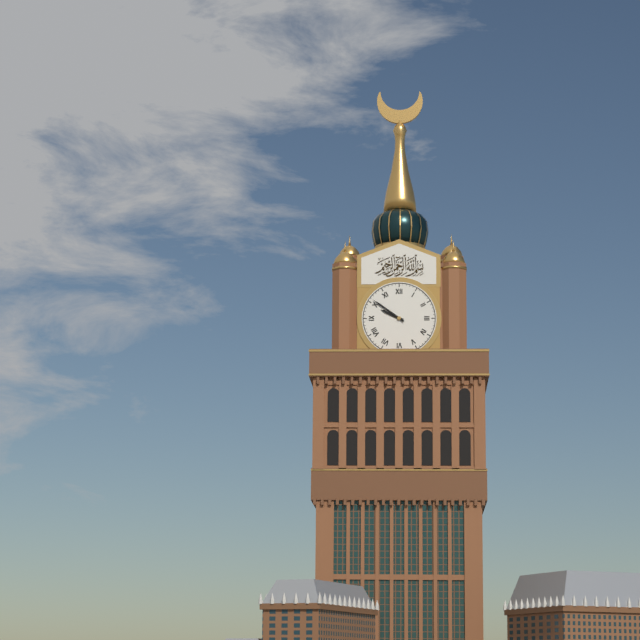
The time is 9:51
